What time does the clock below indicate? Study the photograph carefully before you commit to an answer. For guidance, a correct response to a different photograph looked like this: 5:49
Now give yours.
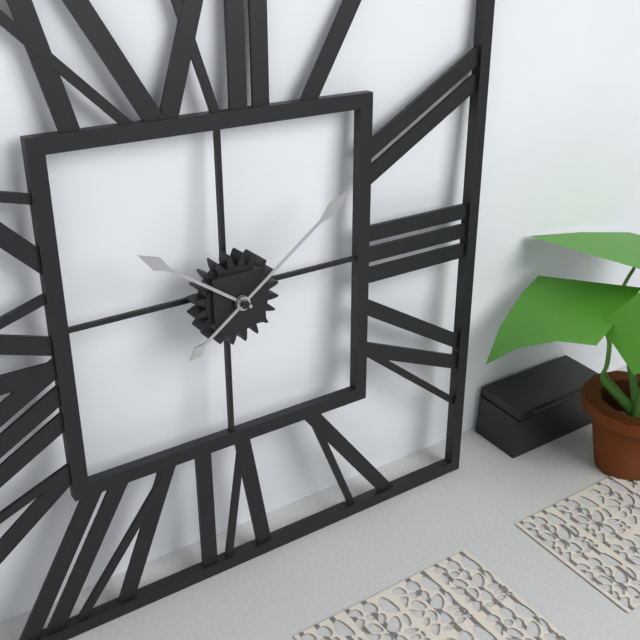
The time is 10:09
